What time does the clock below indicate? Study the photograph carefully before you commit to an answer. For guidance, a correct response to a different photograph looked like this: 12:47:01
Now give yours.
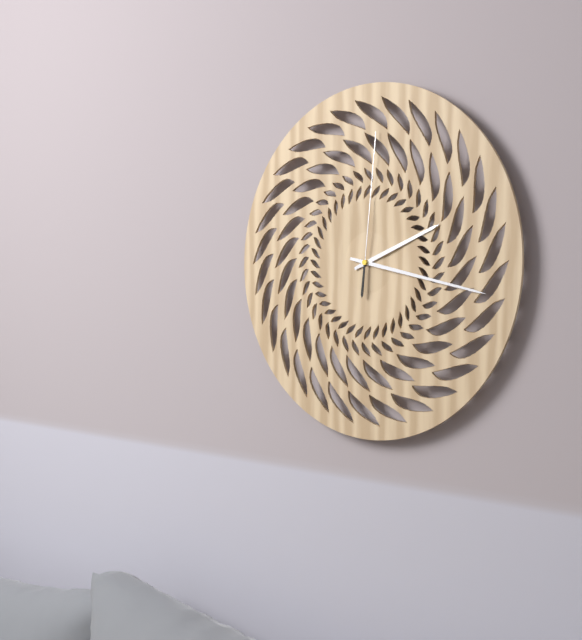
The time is 2:17:01
